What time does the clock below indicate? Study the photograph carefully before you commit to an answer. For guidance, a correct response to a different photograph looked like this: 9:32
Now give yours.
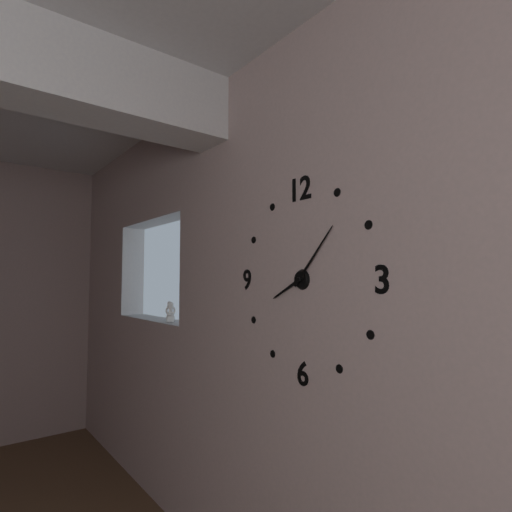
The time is 8:07
